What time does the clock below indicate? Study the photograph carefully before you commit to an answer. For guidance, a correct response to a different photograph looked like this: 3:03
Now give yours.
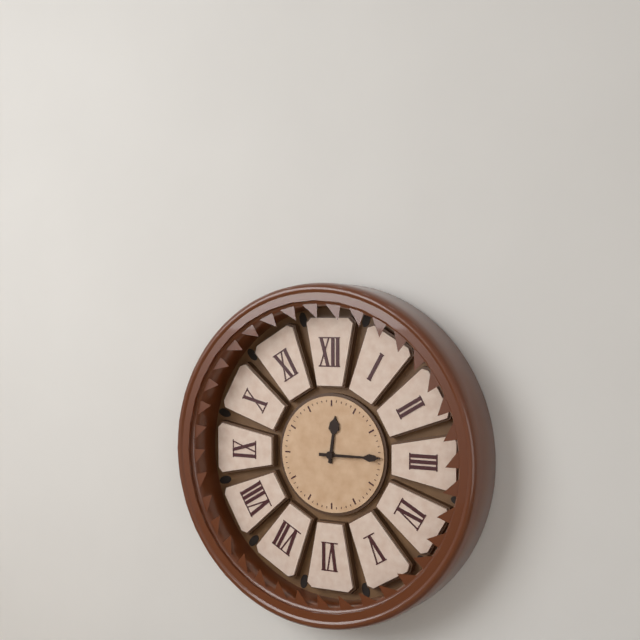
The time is 12:15
